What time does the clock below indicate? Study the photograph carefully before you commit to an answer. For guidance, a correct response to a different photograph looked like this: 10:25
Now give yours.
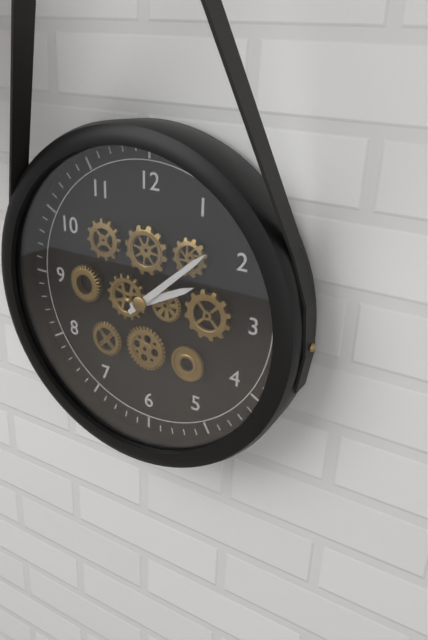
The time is 2:08
